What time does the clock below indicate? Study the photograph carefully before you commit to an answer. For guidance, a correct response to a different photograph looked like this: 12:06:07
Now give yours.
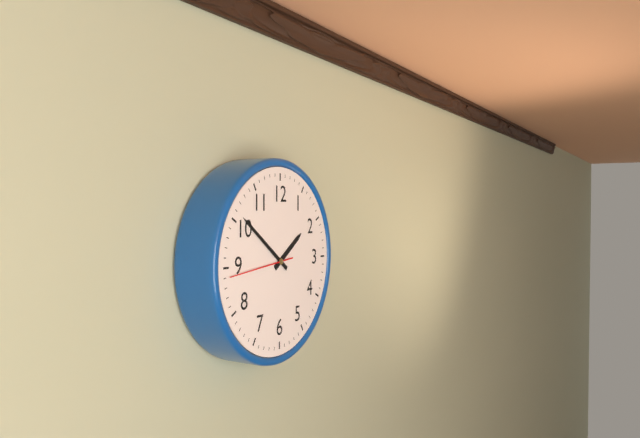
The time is 1:51:44
